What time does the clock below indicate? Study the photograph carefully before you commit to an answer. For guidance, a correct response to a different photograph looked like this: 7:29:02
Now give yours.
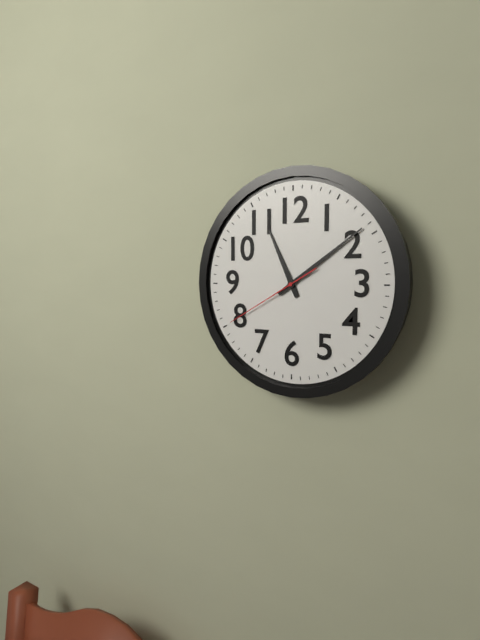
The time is 11:09:40
